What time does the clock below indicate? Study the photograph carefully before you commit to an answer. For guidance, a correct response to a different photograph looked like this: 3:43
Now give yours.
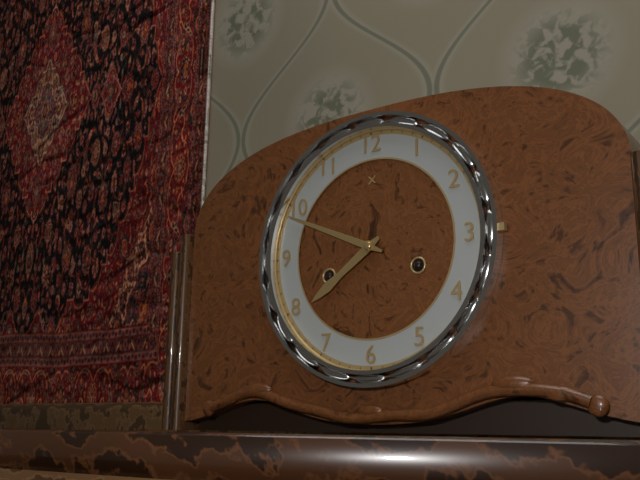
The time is 7:49
